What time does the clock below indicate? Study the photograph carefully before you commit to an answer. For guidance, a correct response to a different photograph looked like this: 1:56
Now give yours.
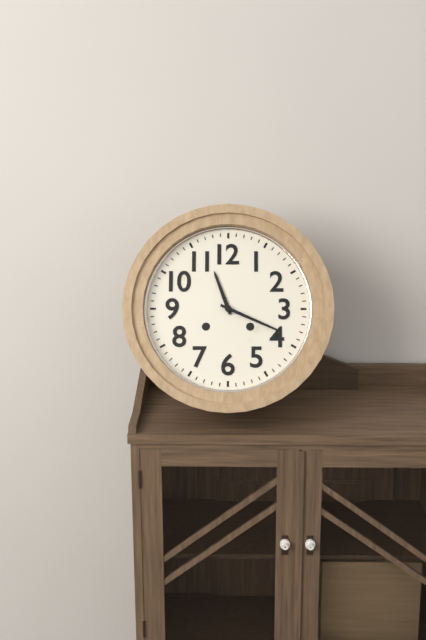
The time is 11:19
